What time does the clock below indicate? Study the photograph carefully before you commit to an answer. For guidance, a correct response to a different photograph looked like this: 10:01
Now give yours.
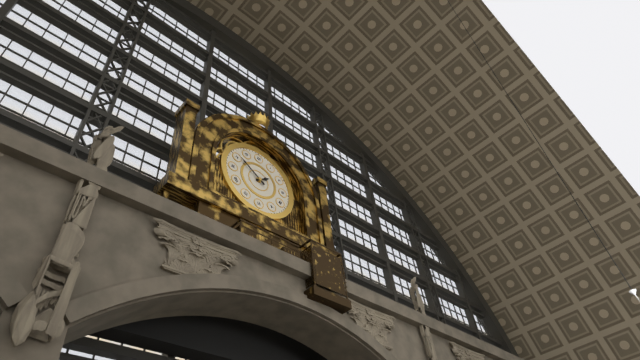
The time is 1:51
